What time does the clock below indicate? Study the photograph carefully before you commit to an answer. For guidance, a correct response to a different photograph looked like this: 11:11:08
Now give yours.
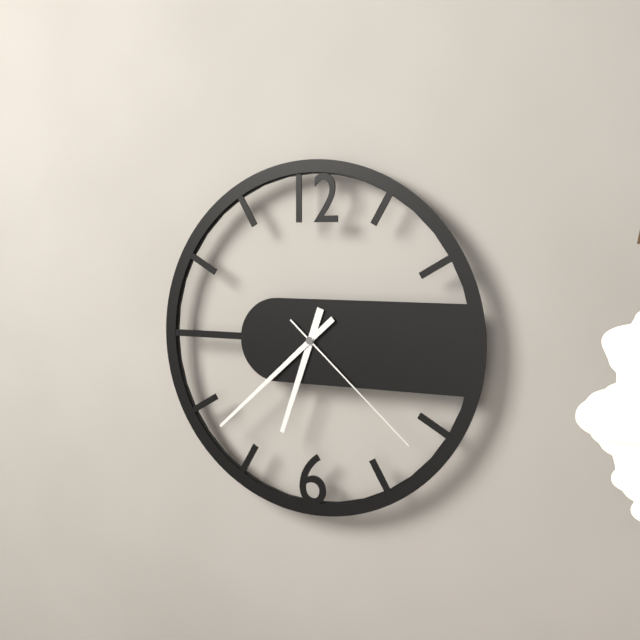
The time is 6:38:22
